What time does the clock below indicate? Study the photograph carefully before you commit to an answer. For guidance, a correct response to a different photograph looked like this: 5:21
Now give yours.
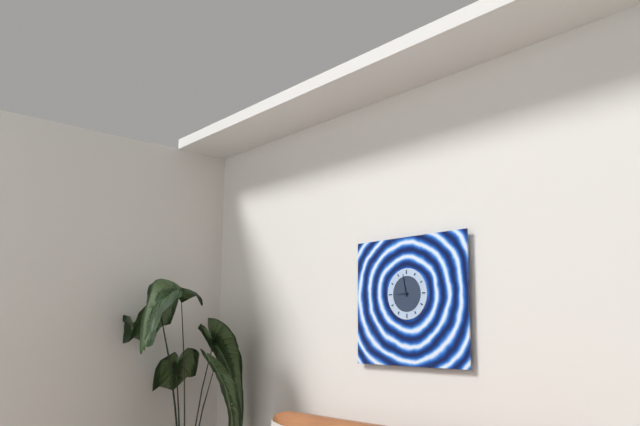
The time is 8:58
